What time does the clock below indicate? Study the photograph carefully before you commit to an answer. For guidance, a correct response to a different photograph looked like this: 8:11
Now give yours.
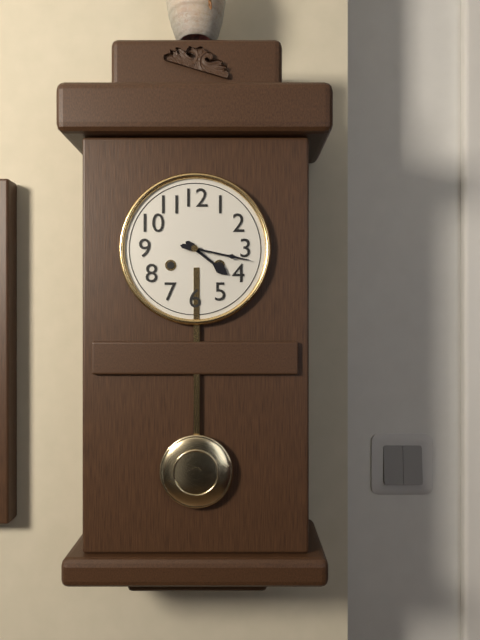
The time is 4:17
